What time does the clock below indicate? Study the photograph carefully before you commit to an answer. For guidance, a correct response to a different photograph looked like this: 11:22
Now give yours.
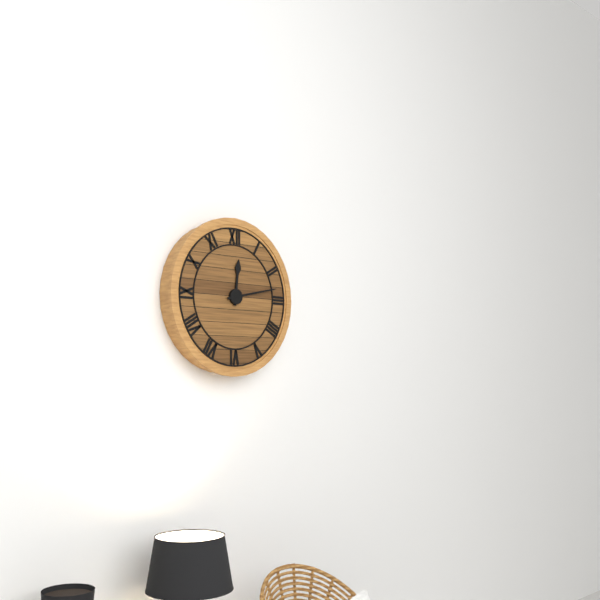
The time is 12:13
